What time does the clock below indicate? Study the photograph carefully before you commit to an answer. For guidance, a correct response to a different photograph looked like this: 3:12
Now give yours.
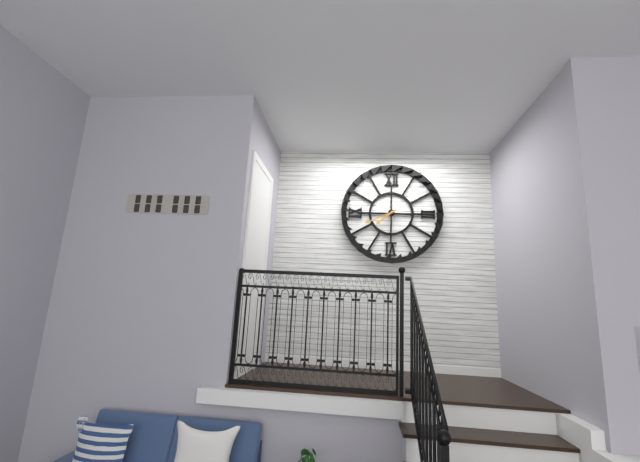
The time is 7:41
